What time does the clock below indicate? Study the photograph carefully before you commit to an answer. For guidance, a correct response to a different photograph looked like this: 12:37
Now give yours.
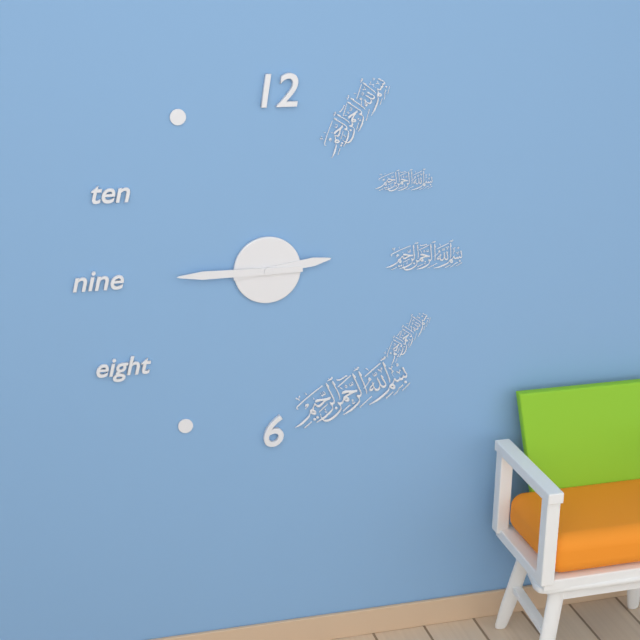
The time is 2:45
